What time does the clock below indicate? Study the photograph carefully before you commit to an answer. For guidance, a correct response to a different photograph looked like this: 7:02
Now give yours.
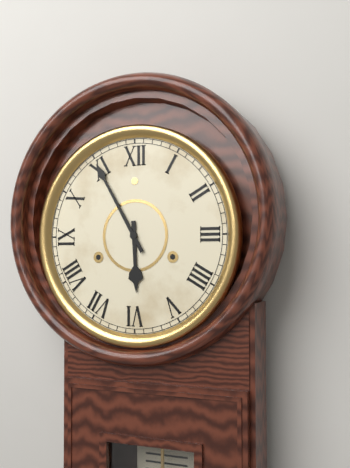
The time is 5:55
